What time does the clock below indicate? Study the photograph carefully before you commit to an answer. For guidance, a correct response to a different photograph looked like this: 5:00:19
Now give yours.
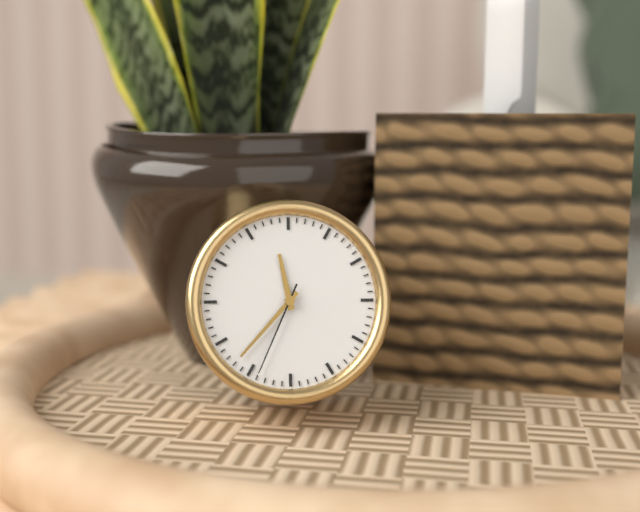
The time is 11:37:34
